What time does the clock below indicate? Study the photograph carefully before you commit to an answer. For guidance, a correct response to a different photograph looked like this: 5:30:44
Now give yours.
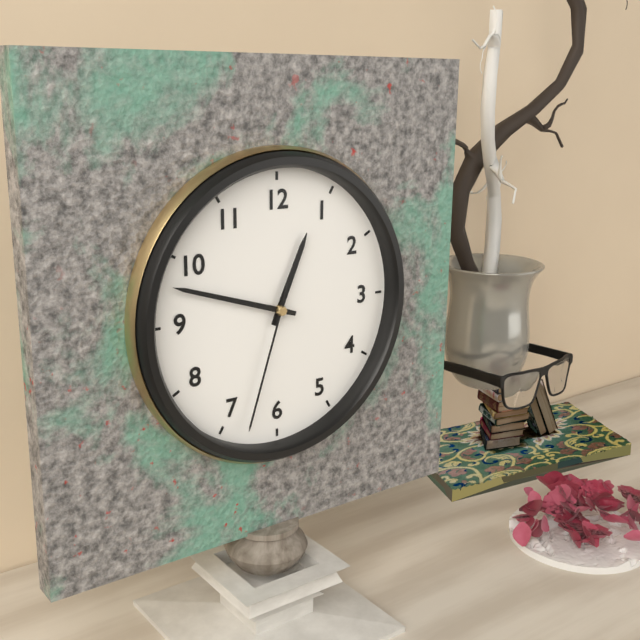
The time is 12:48:33
